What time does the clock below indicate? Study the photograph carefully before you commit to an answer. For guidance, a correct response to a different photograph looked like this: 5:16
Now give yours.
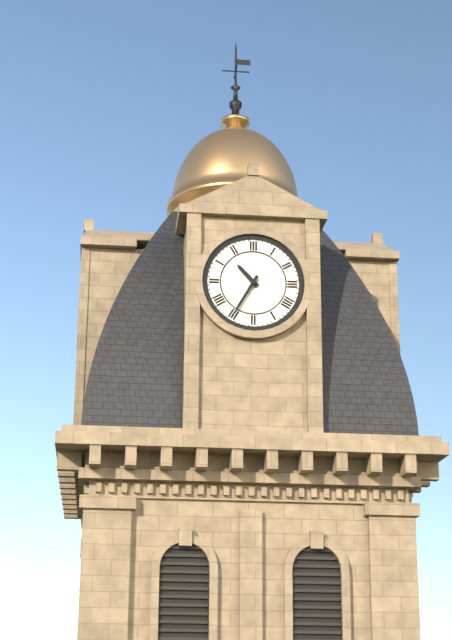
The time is 10:35
